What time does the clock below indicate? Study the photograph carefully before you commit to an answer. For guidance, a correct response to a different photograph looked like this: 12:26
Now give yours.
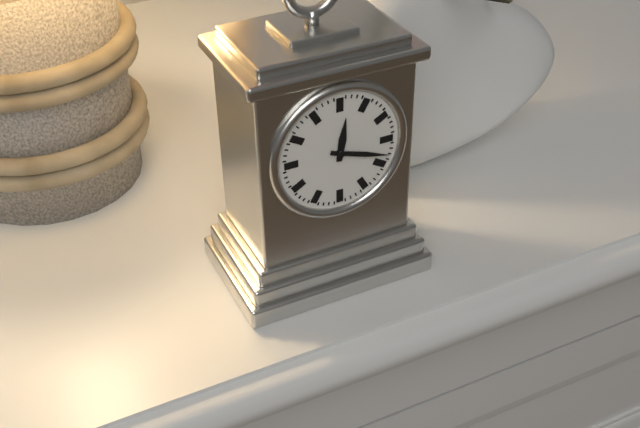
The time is 12:18
